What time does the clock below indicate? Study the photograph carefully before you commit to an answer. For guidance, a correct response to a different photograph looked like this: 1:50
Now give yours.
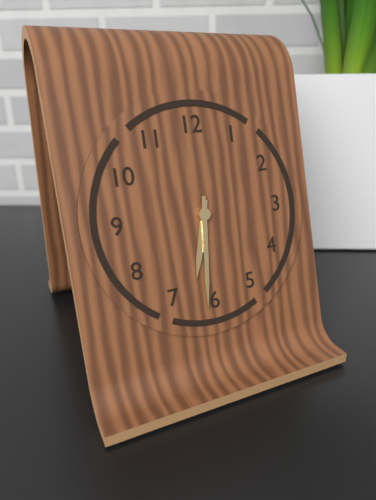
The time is 6:31
